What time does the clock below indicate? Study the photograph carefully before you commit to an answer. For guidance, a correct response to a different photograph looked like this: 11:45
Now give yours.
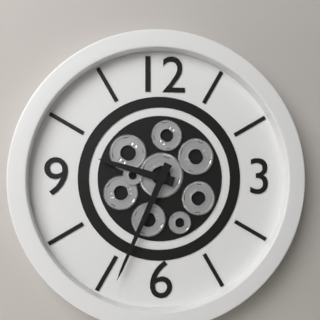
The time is 9:34
